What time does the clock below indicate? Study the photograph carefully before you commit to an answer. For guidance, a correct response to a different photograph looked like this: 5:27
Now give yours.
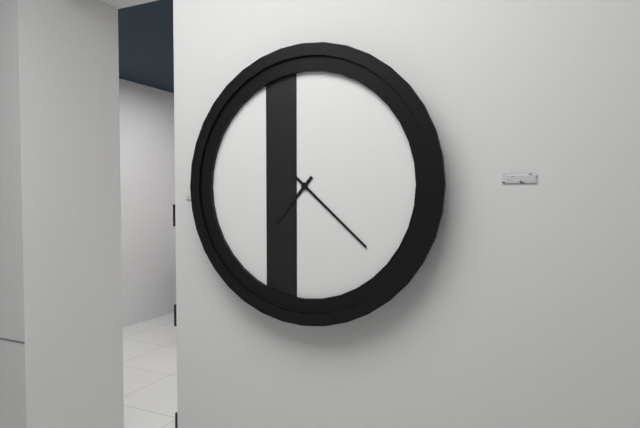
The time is 7:22
